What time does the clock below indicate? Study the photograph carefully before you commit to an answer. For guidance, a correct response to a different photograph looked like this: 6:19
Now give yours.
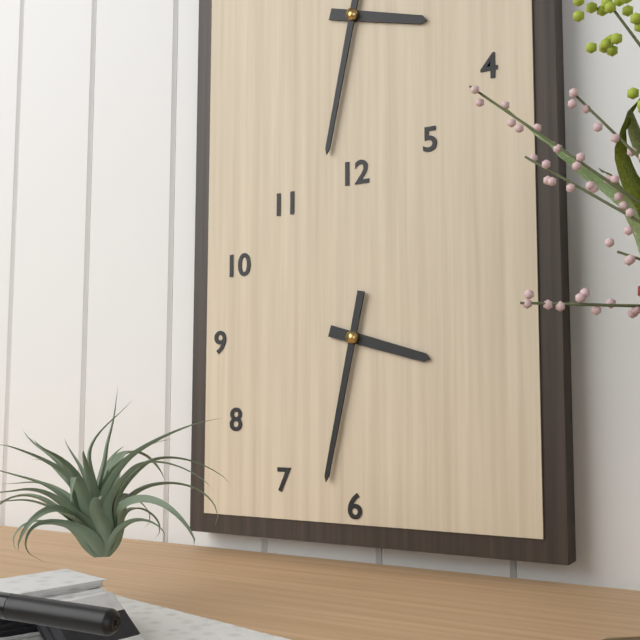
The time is 3:32
